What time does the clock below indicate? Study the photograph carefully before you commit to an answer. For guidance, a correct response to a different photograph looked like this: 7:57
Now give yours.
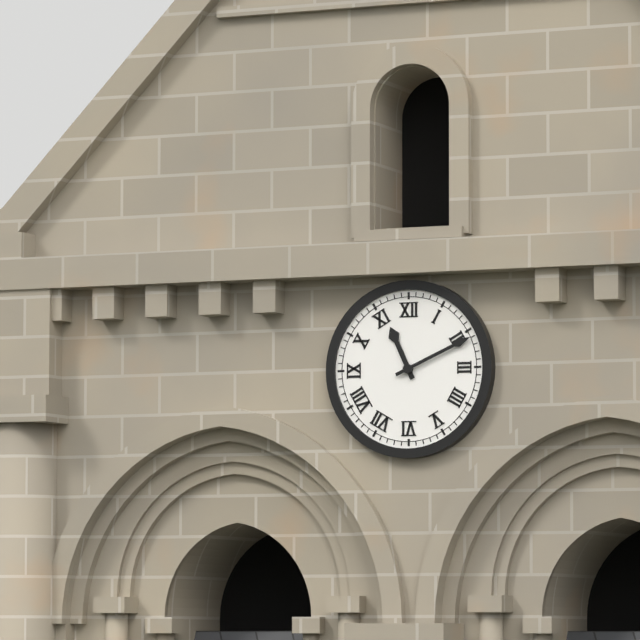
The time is 11:11
